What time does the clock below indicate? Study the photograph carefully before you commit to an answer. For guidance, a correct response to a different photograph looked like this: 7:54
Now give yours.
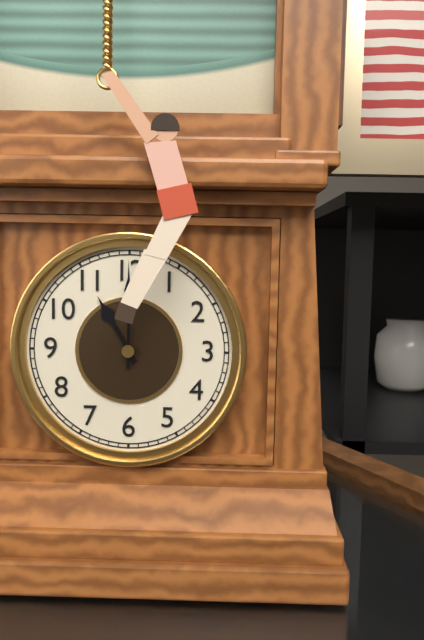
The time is 11:00
